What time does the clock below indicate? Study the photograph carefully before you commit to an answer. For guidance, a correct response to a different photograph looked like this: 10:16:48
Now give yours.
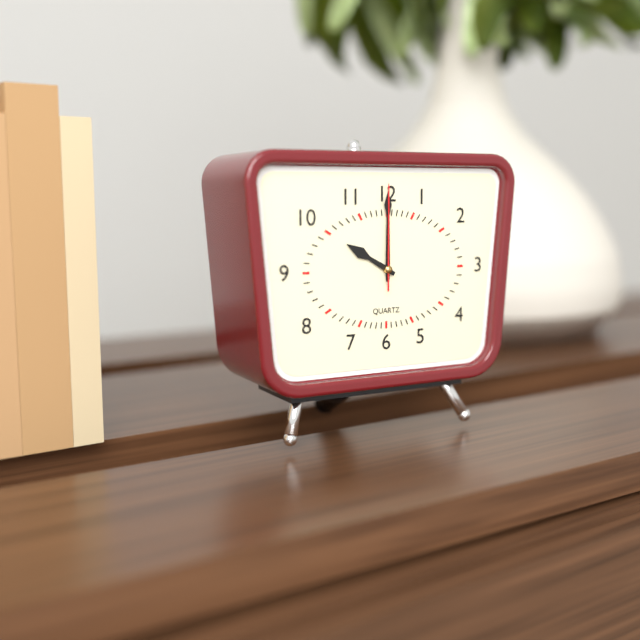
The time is 10:00:00
